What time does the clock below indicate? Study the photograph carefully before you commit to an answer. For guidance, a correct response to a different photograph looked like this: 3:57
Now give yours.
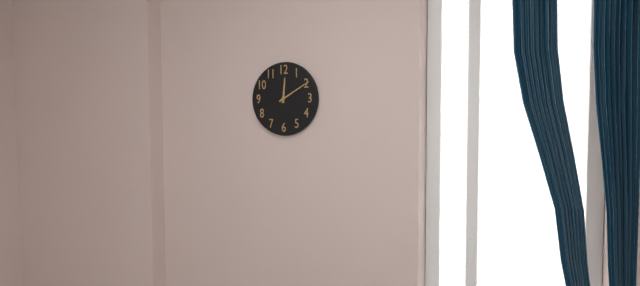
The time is 12:10
